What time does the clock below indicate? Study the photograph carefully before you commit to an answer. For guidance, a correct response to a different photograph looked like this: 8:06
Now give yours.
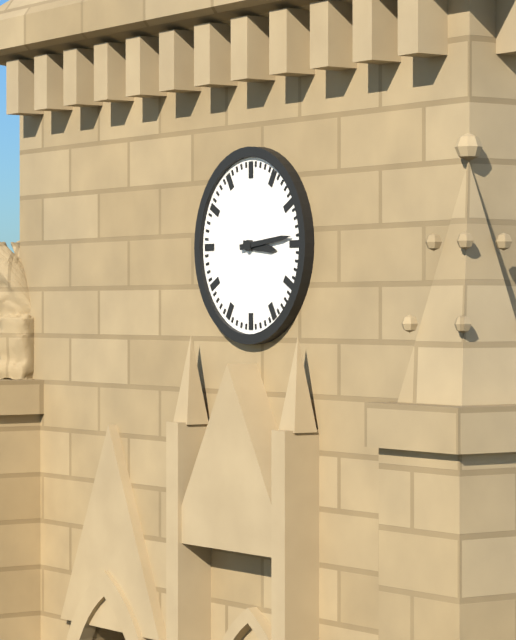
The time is 3:14
